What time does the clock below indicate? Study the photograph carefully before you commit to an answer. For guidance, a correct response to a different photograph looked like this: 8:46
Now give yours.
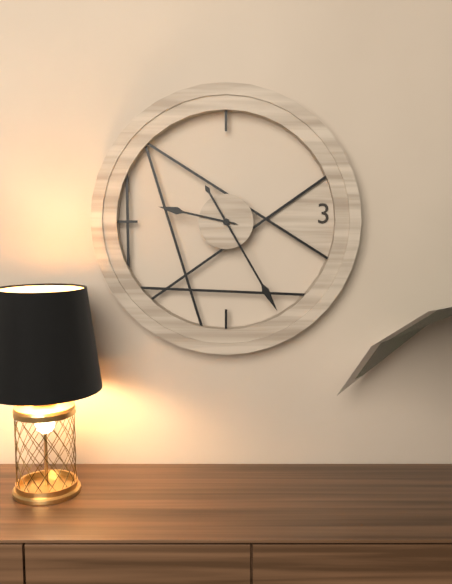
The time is 9:25
